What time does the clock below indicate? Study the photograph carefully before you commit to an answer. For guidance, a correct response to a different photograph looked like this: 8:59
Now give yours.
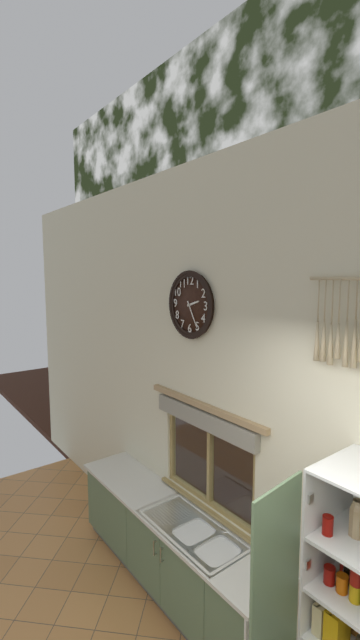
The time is 2:25
